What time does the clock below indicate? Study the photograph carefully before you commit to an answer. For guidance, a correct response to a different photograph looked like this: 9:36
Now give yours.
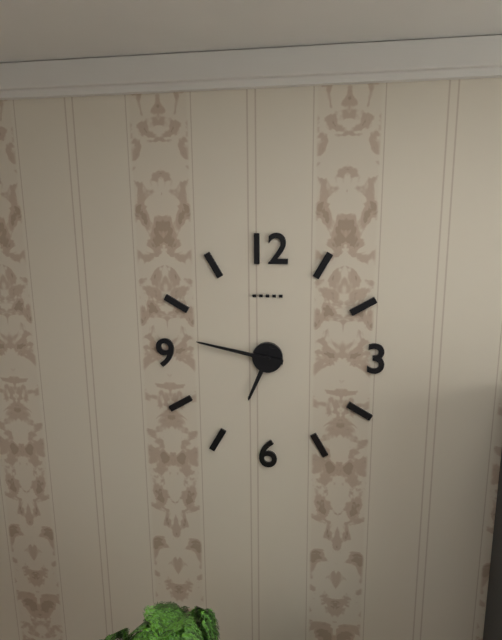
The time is 6:47
